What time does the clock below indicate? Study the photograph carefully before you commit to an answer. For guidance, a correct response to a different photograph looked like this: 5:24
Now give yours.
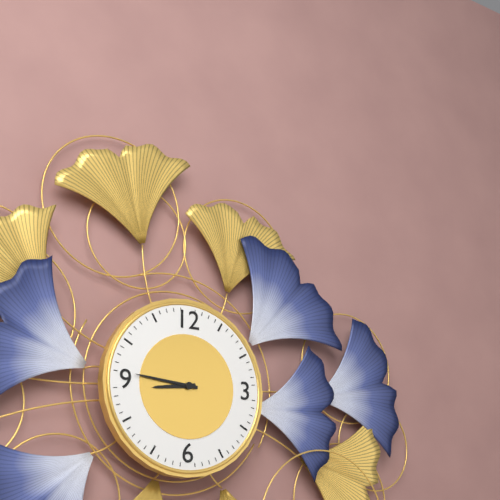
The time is 8:46
